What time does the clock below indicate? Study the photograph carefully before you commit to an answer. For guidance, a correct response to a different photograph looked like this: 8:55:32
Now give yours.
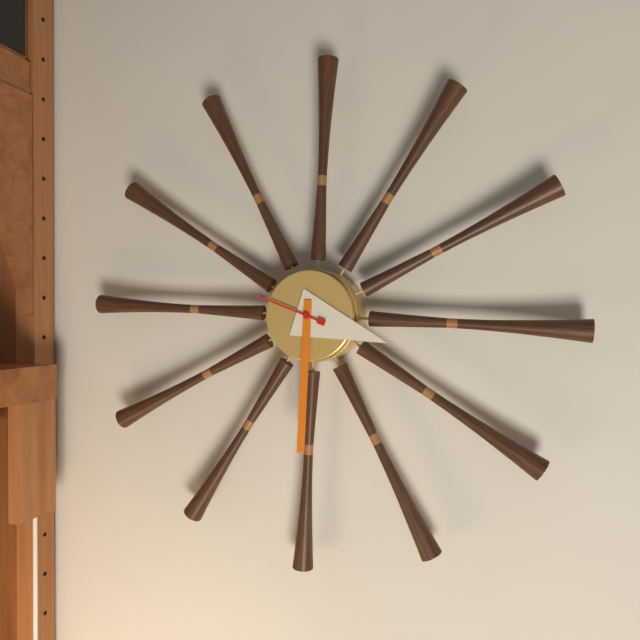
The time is 3:30:48
